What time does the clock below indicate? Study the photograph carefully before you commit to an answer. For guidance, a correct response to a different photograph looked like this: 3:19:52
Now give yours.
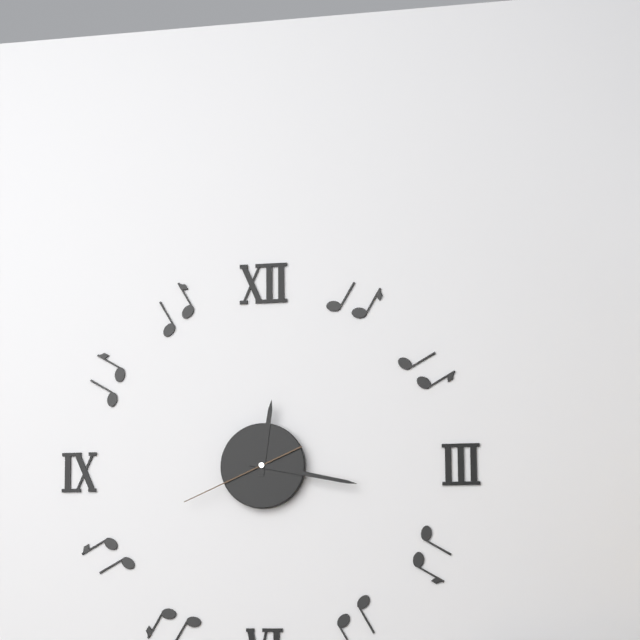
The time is 12:17:41
